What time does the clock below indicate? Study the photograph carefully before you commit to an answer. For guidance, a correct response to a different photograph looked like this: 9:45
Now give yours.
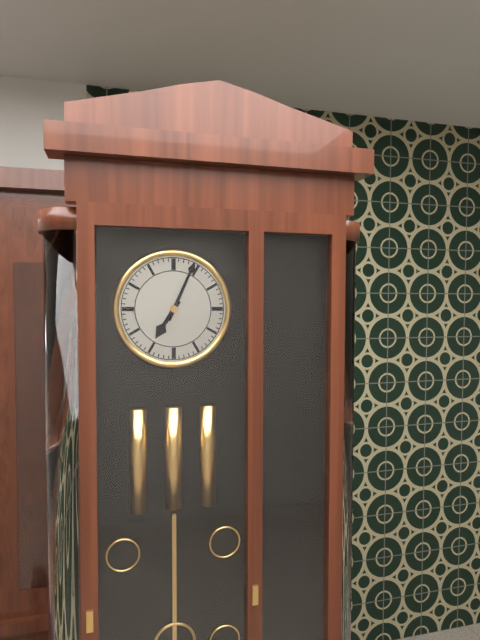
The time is 7:04
